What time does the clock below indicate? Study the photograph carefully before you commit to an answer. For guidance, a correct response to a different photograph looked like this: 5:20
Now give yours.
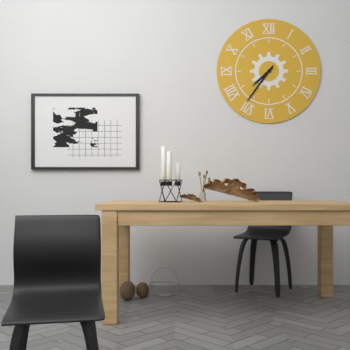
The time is 7:36
